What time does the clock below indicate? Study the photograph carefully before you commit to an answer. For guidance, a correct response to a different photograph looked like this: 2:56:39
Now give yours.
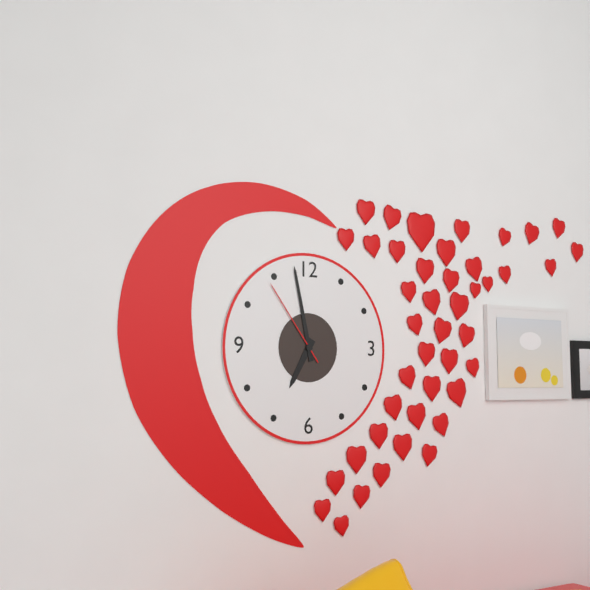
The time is 6:58:54
